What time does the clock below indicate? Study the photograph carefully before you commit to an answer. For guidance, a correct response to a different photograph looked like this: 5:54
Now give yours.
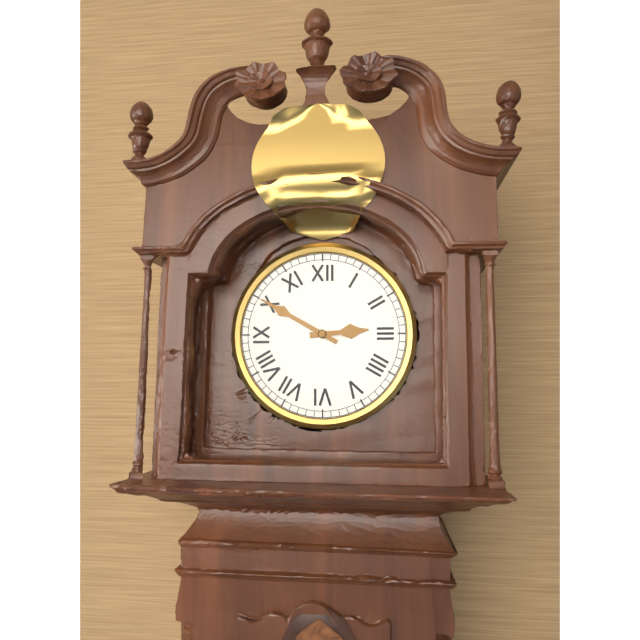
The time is 2:50
